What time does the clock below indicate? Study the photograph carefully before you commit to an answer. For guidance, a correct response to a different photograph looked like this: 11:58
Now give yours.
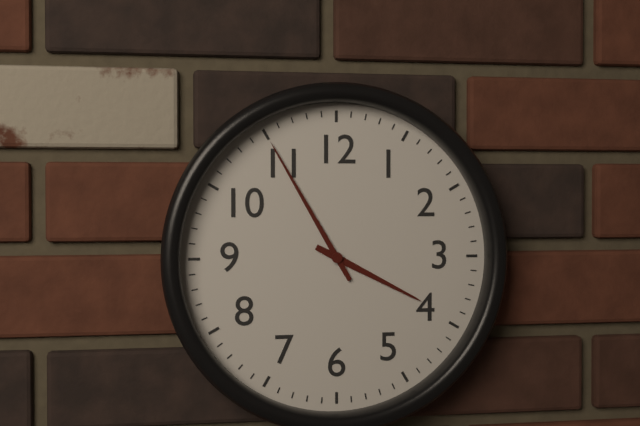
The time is 3:55
